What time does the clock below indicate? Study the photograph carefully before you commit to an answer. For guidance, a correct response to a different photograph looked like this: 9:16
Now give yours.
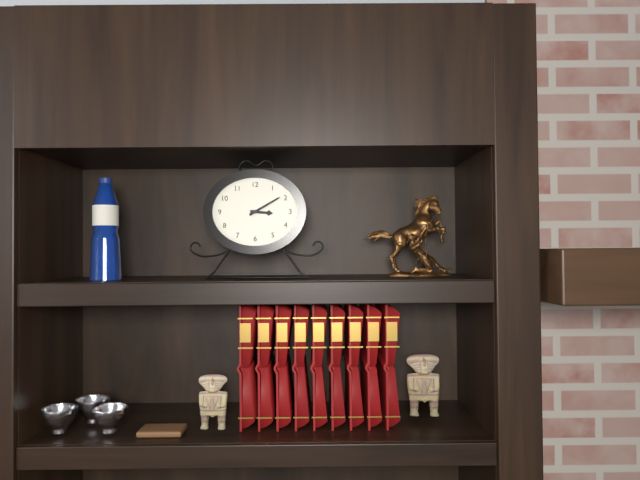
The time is 3:10
